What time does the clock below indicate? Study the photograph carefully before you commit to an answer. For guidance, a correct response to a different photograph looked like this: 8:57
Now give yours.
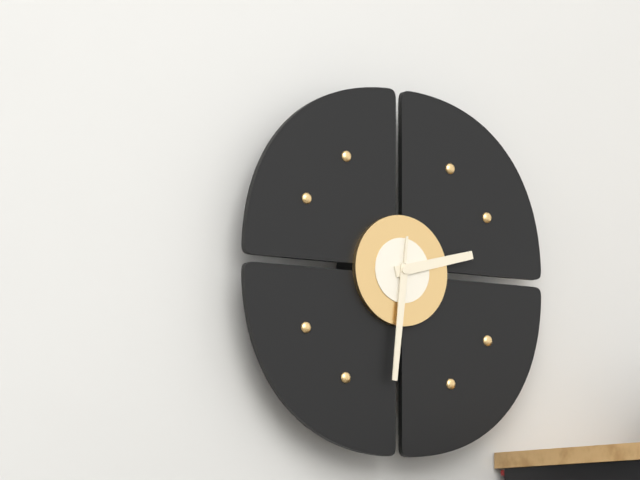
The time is 2:31
